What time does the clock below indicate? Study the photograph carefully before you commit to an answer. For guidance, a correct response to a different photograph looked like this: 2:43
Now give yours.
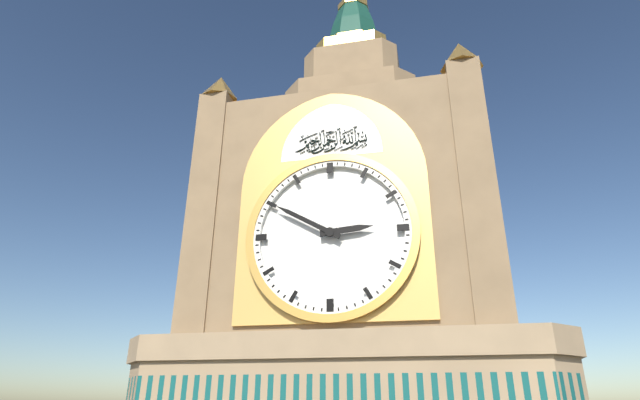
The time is 2:50
